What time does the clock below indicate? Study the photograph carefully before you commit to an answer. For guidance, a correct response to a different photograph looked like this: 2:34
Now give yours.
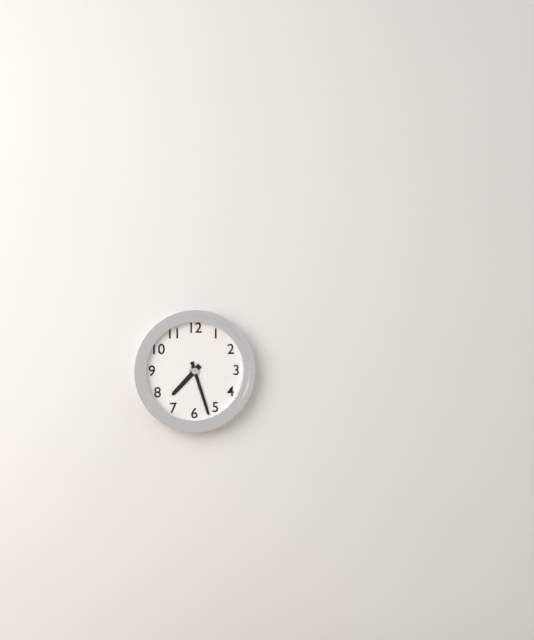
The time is 7:27
